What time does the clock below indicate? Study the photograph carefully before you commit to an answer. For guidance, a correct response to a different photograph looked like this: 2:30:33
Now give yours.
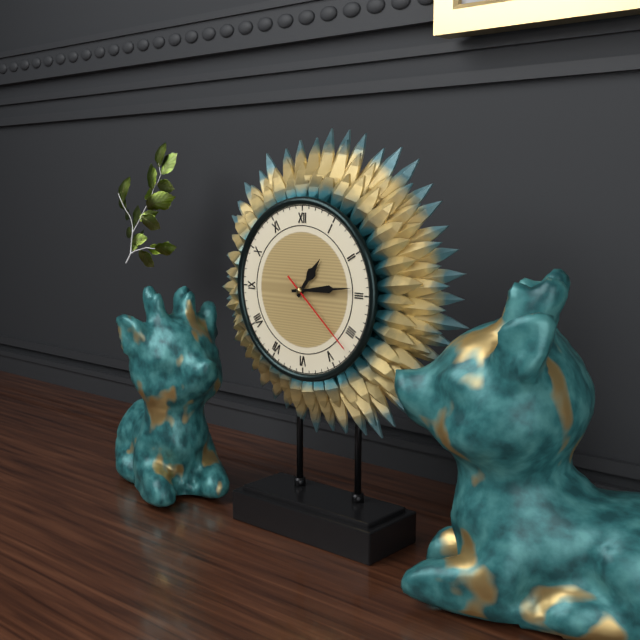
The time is 1:14:22
